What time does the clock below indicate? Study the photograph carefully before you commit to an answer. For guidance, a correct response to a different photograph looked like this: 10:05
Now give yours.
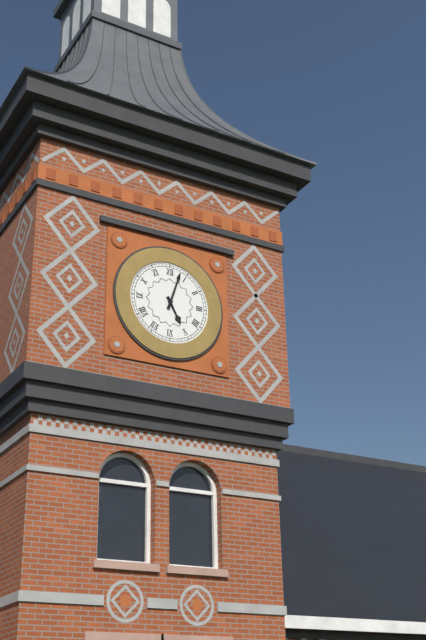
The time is 5:03
